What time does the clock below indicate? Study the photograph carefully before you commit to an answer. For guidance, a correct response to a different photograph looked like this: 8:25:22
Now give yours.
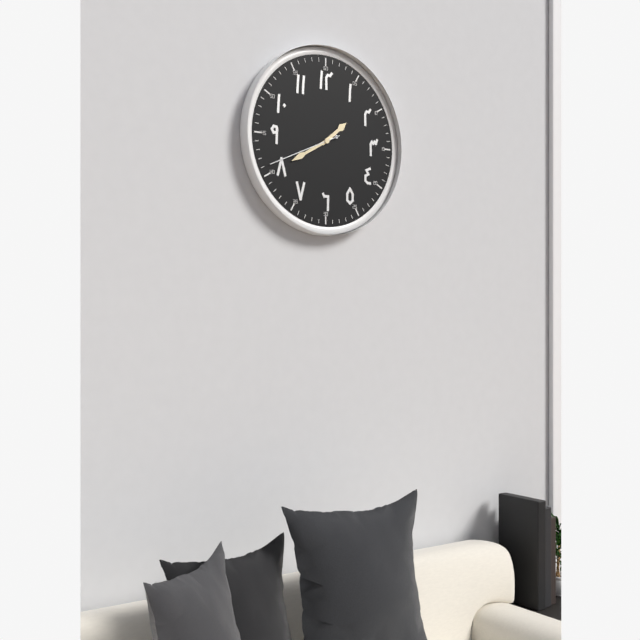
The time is 1:40:41
